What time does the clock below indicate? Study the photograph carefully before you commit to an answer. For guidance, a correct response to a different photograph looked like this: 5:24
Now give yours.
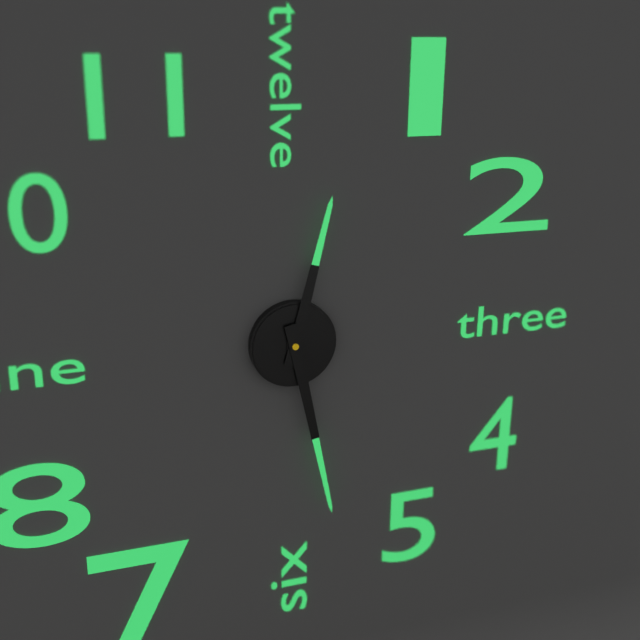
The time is 12:28
